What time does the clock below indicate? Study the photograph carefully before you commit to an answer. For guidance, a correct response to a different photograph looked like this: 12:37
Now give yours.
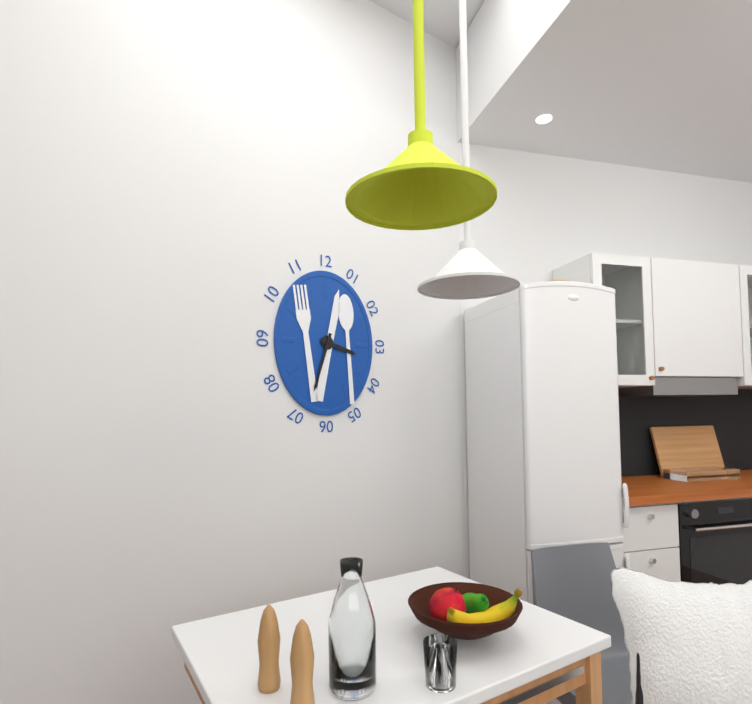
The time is 3:33
